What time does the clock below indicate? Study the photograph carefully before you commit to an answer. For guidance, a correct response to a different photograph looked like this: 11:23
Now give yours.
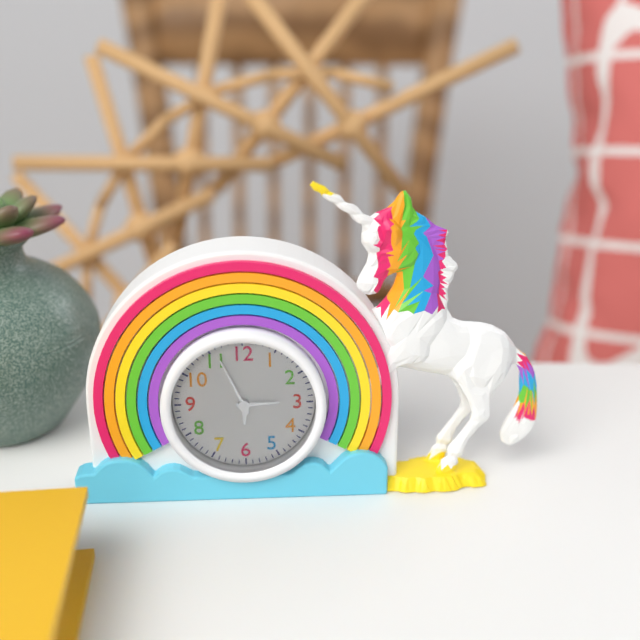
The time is 2:56
